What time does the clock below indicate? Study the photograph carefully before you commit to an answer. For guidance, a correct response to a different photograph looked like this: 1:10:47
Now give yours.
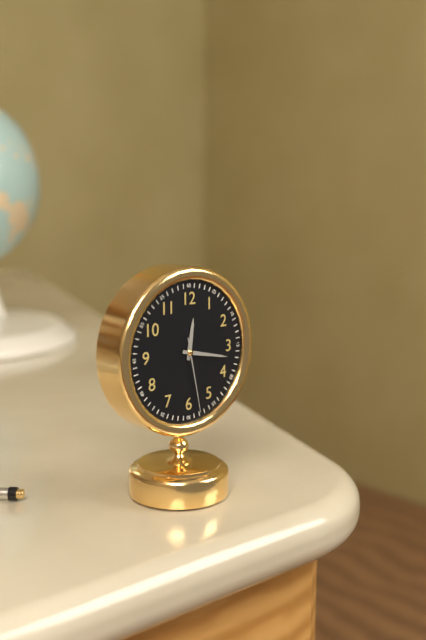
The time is 12:17:28
